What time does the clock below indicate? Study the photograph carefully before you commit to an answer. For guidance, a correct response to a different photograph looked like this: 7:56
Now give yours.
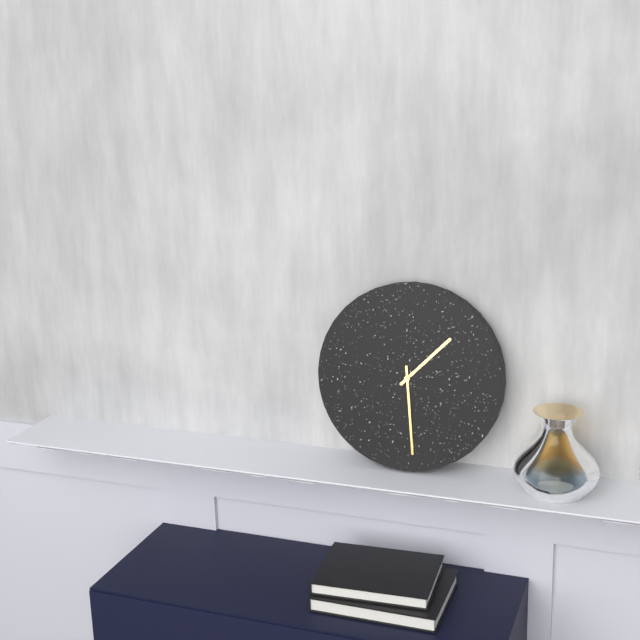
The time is 1:29
